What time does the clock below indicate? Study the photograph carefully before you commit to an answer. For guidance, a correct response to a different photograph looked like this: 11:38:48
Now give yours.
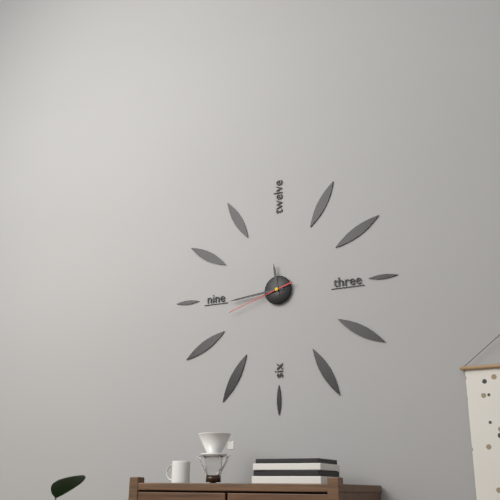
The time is 11:44:42
